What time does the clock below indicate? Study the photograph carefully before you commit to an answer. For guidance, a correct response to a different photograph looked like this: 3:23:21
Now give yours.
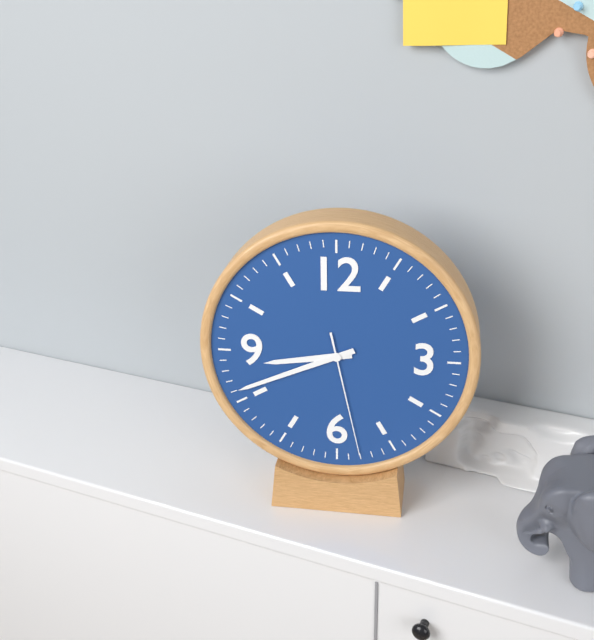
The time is 8:41:28
